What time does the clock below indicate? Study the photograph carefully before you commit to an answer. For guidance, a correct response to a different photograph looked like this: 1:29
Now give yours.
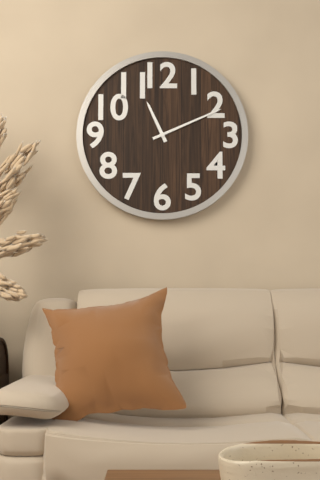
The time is 11:11
